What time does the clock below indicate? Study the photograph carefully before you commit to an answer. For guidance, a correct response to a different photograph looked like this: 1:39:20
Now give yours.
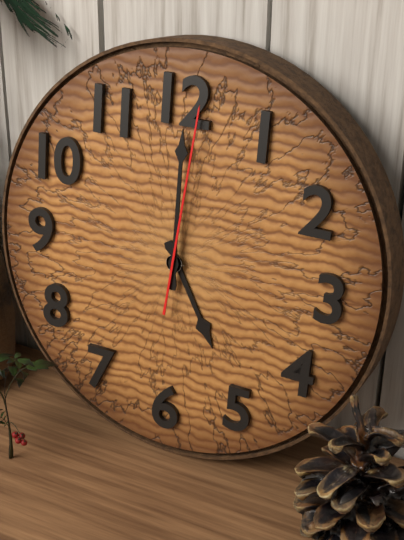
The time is 5:00:01
